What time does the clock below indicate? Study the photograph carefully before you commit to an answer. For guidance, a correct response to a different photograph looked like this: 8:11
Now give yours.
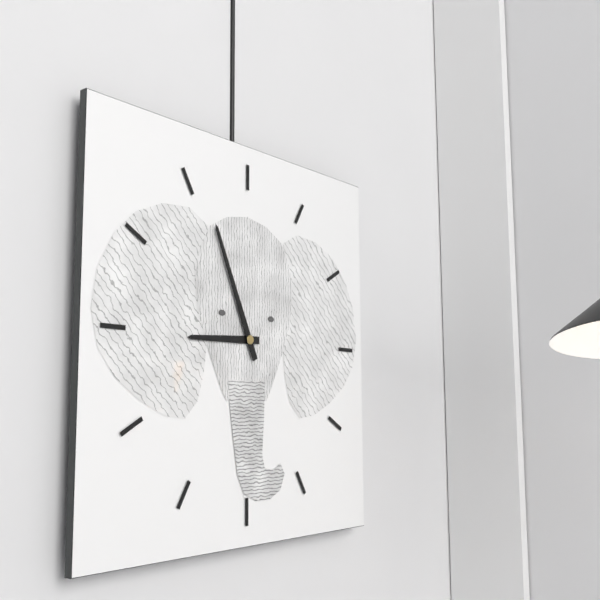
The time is 8:56
